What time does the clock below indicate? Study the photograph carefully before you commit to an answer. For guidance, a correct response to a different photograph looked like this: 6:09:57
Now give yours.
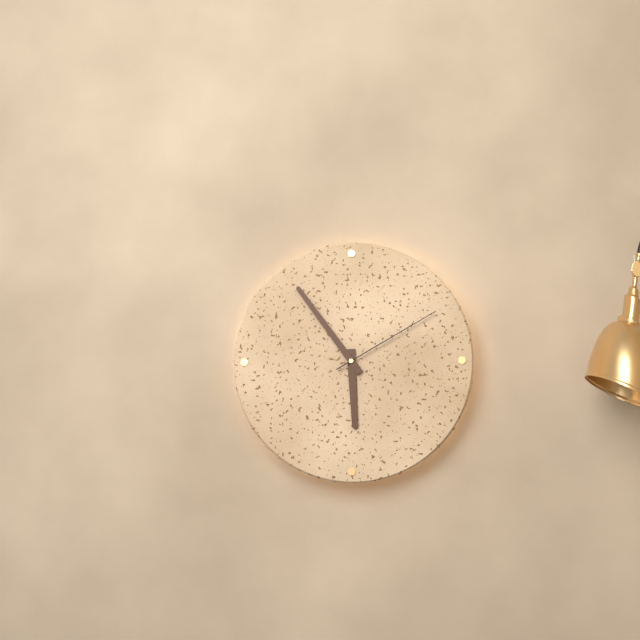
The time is 5:54:10
